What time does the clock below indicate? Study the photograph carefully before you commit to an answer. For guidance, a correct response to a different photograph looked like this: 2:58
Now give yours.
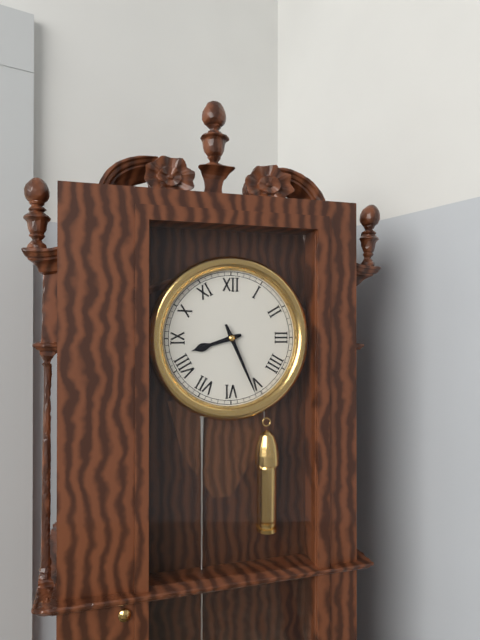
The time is 8:26
